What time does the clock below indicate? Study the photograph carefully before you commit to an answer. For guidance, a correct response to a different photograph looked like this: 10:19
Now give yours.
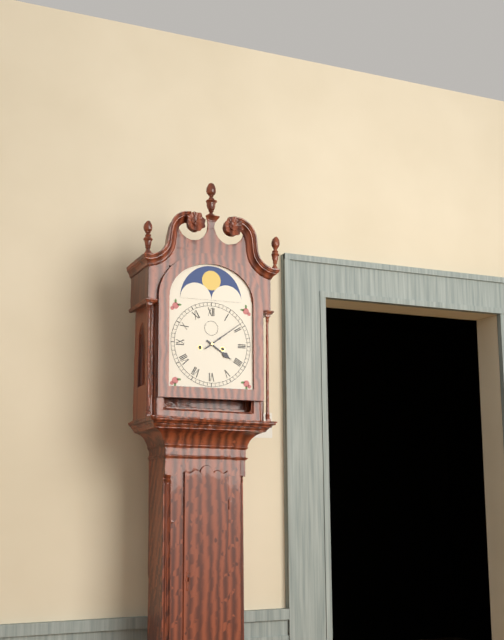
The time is 4:09
